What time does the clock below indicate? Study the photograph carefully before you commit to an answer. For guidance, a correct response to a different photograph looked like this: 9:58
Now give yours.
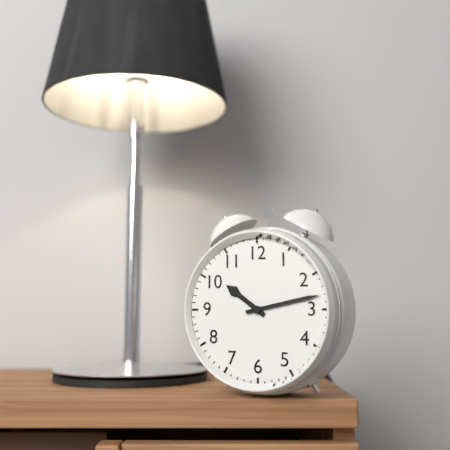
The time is 10:13
